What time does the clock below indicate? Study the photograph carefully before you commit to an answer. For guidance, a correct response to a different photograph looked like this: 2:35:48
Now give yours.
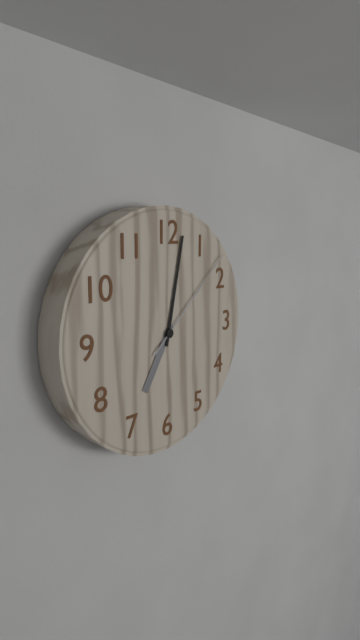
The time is 7:02:08
